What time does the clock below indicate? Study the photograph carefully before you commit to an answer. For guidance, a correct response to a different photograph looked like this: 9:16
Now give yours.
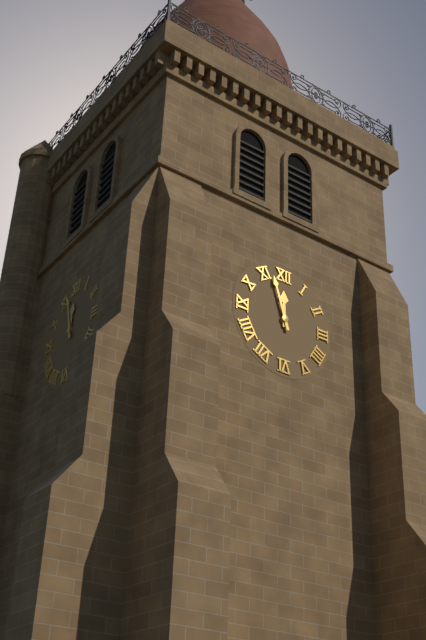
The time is 11:57
